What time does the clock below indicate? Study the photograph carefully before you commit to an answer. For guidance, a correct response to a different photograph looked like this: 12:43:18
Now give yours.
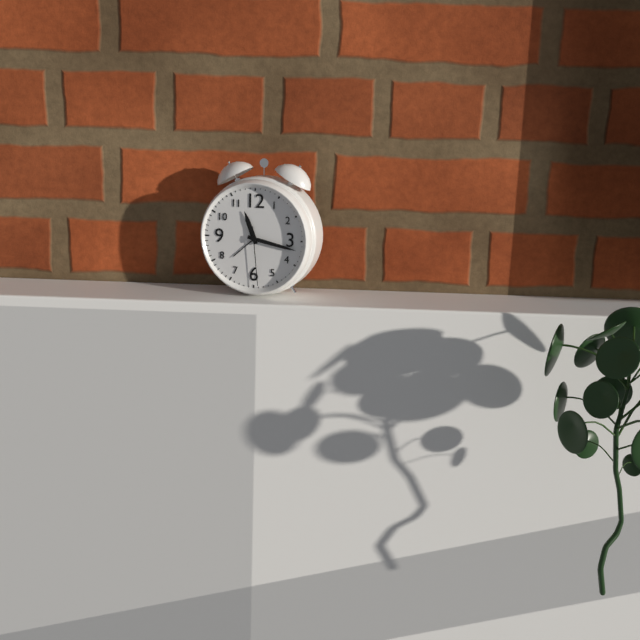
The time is 11:17:29
